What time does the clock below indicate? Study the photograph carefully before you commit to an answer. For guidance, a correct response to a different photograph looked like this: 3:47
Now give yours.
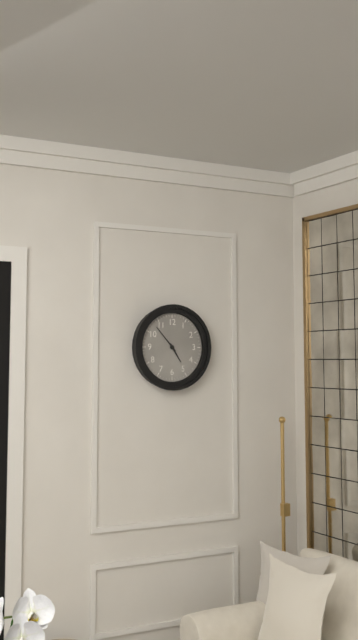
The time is 4:53
